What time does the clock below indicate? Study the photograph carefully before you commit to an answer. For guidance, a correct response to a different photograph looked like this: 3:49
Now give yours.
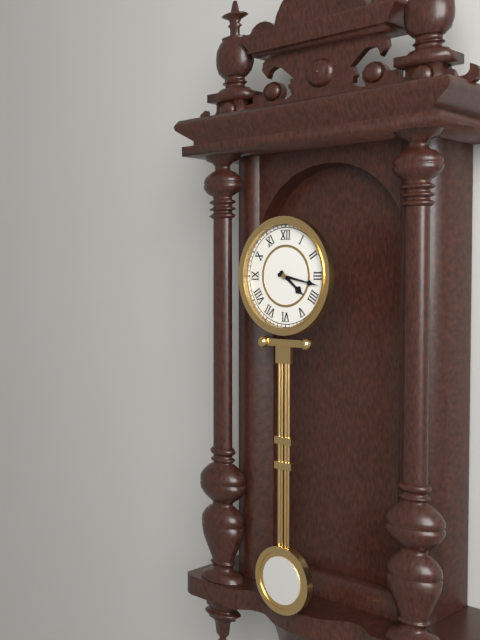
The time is 4:17
